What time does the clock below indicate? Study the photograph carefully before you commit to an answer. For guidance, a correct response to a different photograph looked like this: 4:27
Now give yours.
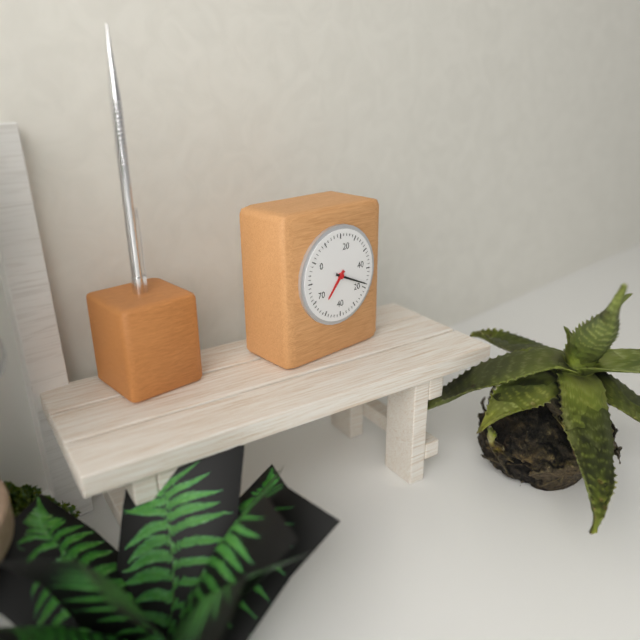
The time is 7:19
